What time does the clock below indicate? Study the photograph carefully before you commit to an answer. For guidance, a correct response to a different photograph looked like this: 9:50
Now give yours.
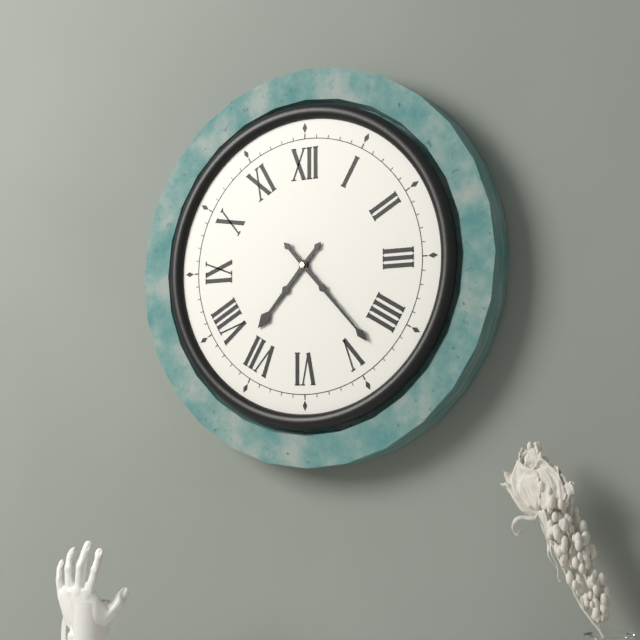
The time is 7:23
